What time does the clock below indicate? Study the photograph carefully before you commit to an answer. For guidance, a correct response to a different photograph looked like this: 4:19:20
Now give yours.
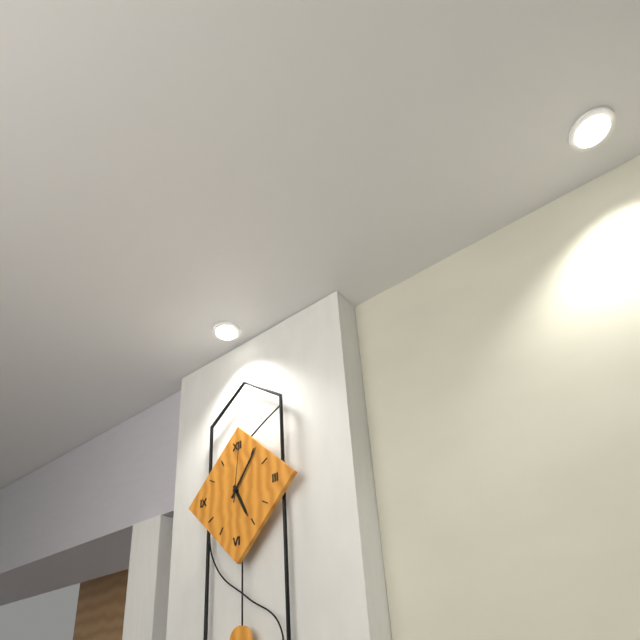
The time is 5:06:01
